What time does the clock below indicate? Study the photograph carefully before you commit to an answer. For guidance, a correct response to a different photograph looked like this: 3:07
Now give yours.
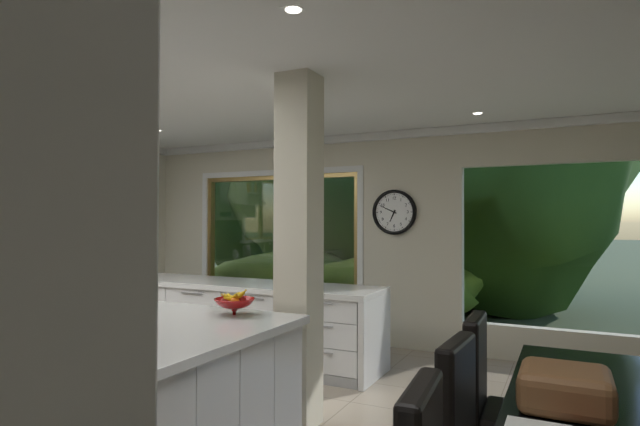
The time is 6:49
